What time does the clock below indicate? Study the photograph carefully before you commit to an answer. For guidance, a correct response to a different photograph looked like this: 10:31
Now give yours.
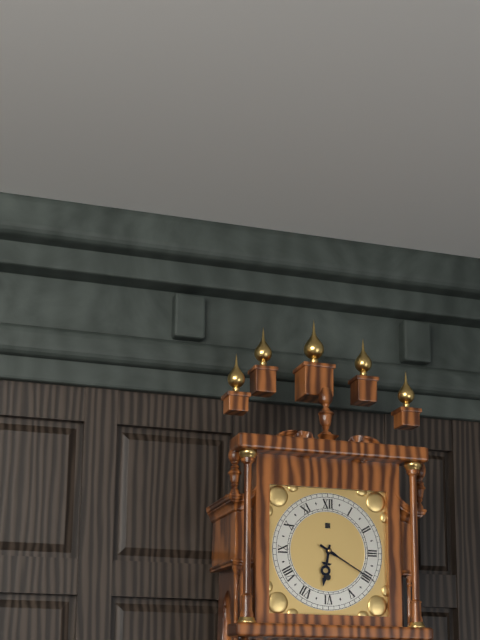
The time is 6:20
